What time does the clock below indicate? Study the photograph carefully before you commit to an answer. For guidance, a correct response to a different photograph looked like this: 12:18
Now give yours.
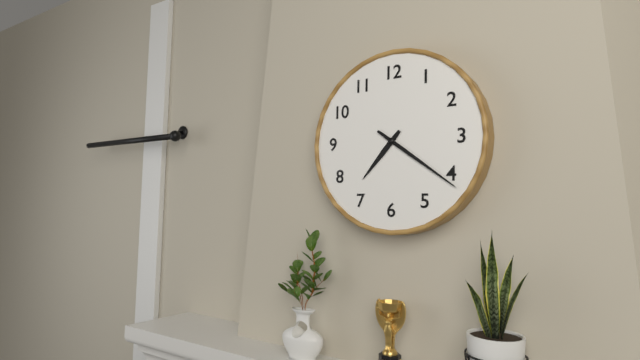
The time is 7:21
